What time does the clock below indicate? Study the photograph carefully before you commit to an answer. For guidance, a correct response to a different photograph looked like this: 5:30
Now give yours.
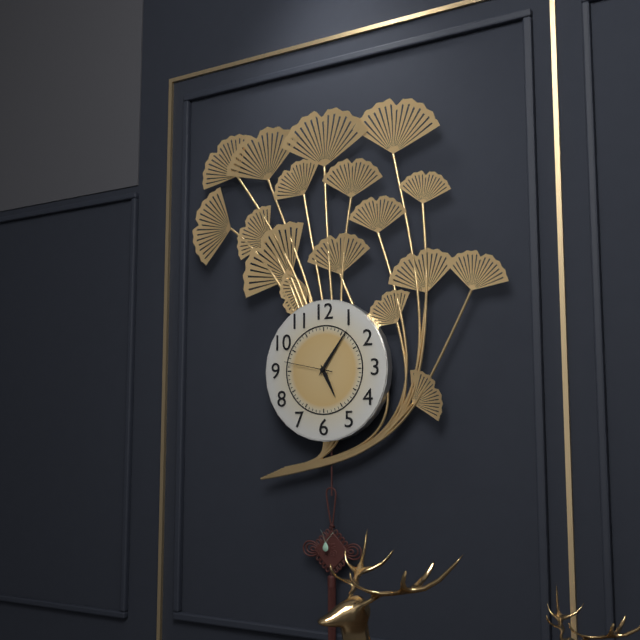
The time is 5:06
